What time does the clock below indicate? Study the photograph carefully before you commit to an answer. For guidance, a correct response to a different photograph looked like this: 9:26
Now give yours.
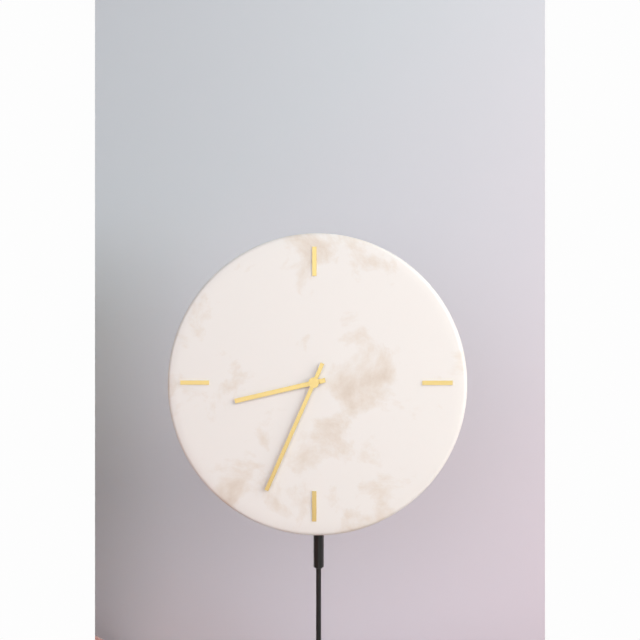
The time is 8:34
